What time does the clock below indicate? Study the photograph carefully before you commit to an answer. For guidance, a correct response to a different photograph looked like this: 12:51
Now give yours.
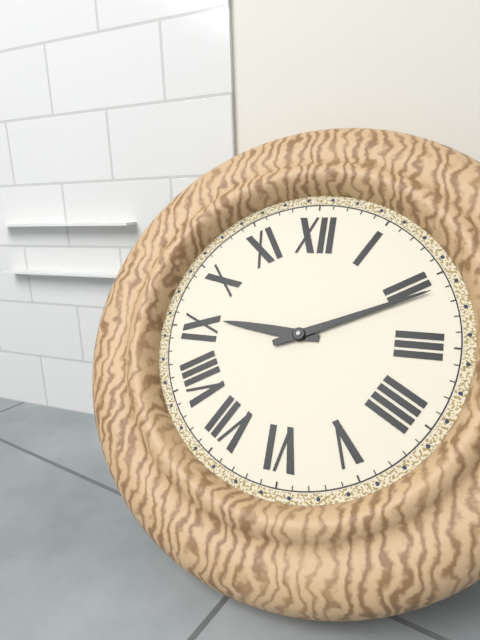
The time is 9:11
